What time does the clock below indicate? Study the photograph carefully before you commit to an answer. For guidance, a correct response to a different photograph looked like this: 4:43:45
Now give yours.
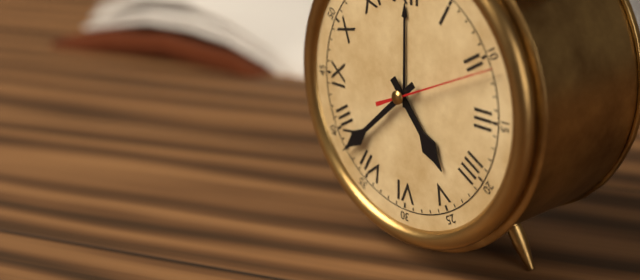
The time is 4:38:11
